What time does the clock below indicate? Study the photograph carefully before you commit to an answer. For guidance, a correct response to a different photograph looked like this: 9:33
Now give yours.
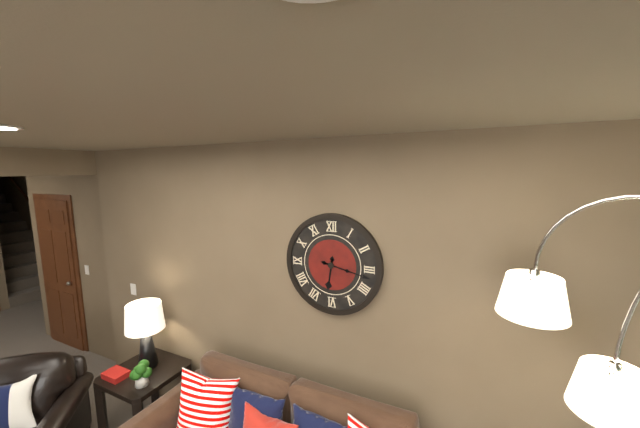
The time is 6:17
